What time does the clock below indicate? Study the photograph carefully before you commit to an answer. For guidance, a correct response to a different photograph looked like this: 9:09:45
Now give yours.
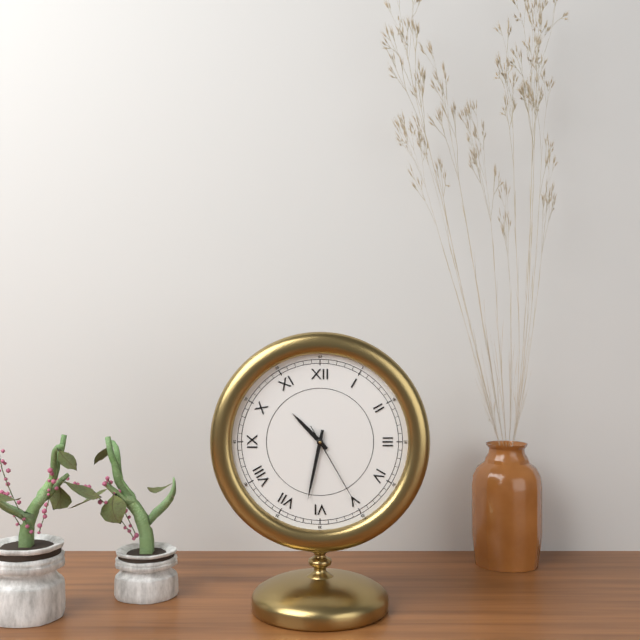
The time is 10:32:25
